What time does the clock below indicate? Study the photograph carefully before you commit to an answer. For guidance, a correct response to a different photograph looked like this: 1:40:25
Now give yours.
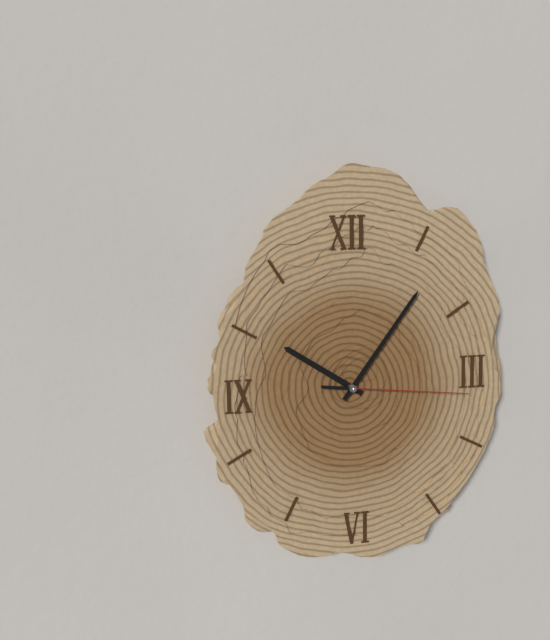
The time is 10:06:16
